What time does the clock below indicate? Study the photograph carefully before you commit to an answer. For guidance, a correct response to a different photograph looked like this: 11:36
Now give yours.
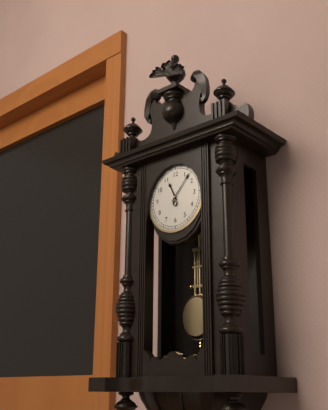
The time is 11:07
